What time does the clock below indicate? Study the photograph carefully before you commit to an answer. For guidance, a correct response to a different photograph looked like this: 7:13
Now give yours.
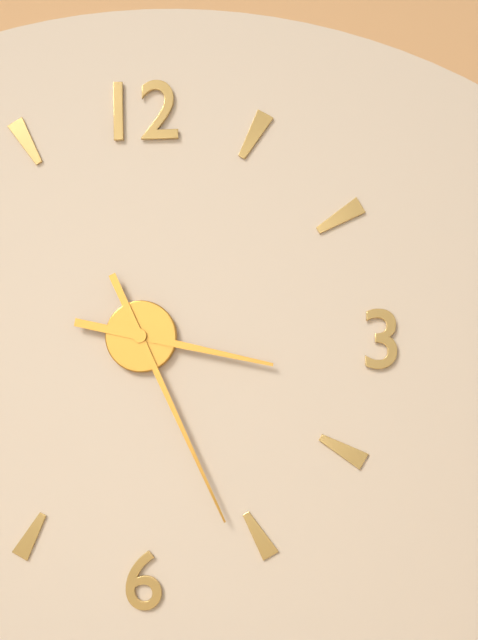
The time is 3:26
